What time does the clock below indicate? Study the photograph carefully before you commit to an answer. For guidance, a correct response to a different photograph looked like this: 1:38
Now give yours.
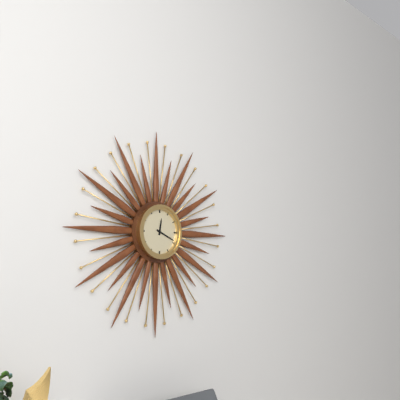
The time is 12:19
